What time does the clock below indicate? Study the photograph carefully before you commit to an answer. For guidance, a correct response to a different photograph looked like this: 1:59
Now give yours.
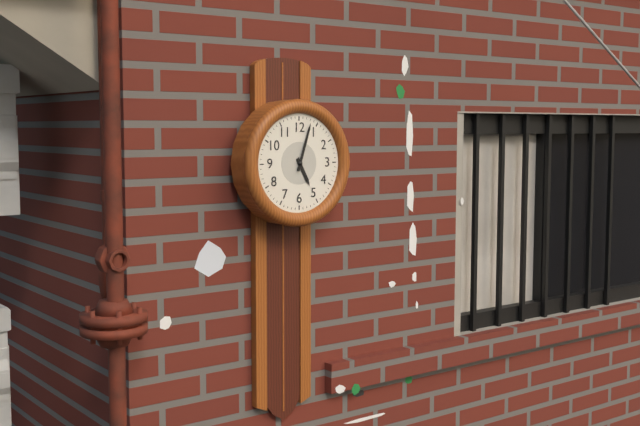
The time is 5:03
